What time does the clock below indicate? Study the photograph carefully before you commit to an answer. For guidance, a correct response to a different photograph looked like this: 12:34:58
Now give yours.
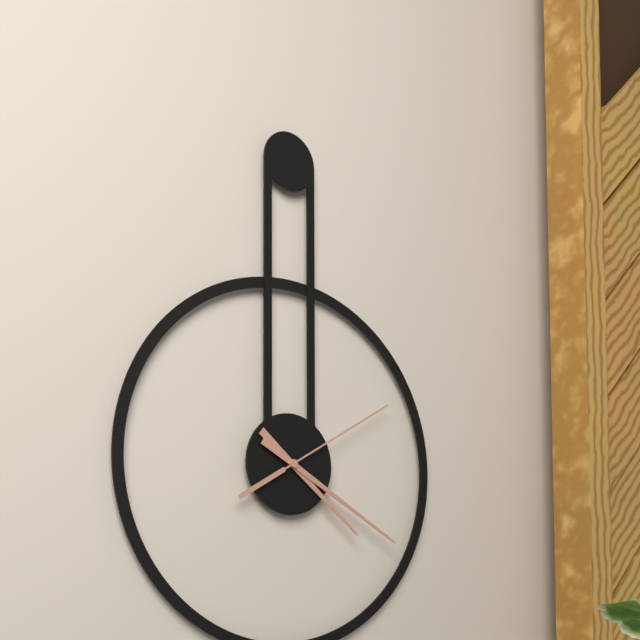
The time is 4:20:10
